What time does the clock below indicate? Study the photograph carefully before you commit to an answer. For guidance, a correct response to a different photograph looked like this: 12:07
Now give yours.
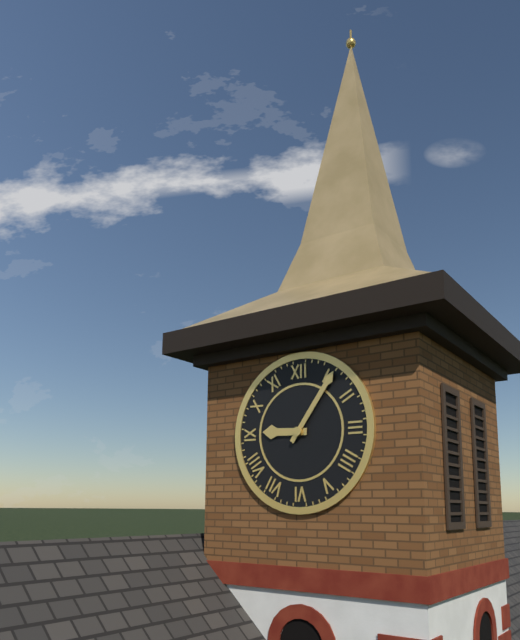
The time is 9:06
